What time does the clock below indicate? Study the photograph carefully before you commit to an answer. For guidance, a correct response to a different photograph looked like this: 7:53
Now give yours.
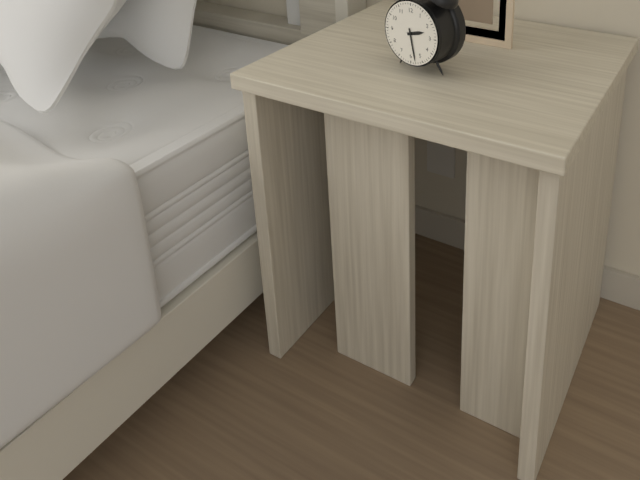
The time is 2:28
